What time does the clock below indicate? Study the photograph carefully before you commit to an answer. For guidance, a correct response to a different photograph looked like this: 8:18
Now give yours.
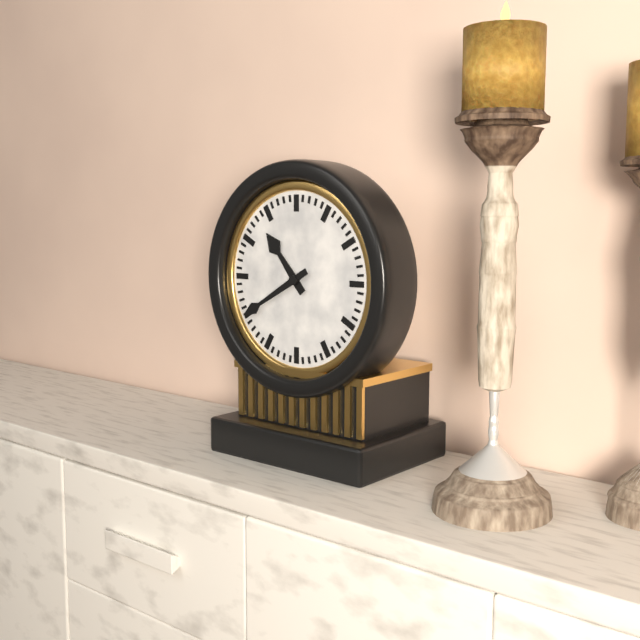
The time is 10:40
